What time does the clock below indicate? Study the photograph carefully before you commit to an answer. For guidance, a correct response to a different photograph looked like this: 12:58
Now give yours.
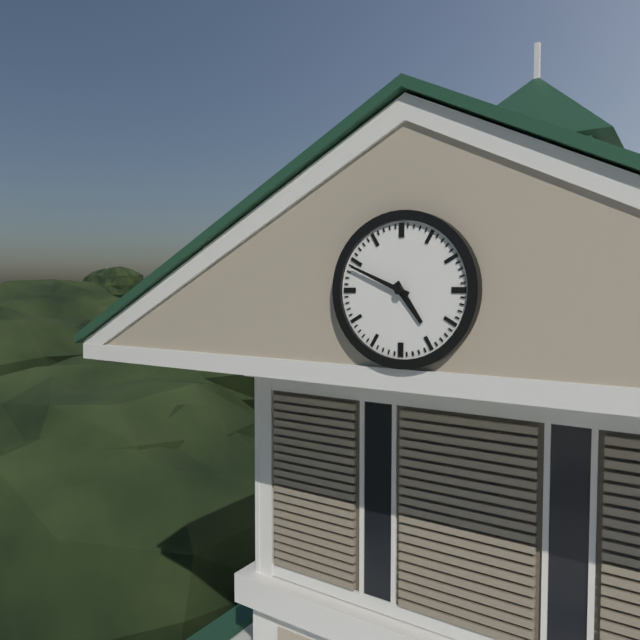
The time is 4:49
